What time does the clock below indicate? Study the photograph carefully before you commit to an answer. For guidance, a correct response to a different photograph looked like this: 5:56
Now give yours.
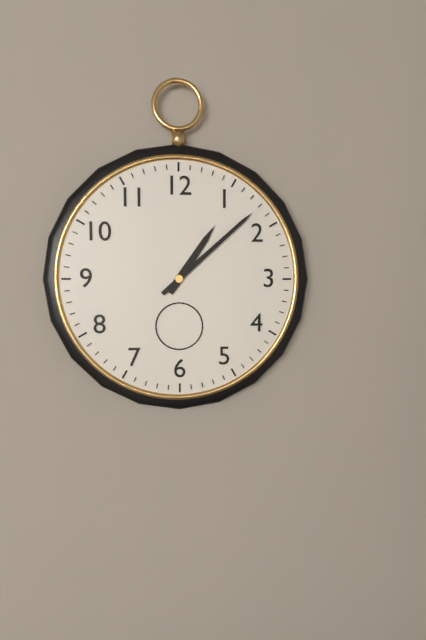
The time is 1:08
